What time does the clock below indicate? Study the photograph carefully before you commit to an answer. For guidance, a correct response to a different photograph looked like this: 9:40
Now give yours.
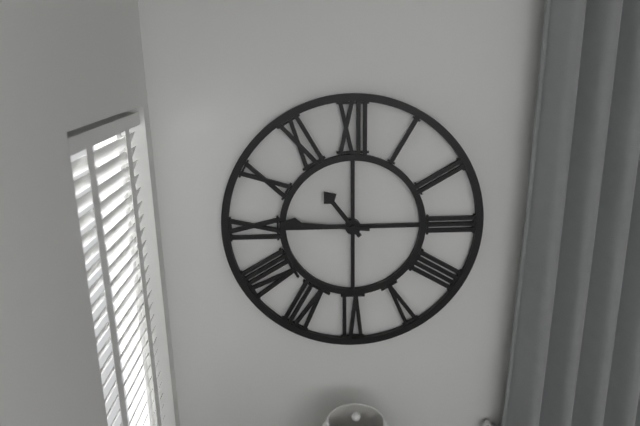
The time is 10:46
